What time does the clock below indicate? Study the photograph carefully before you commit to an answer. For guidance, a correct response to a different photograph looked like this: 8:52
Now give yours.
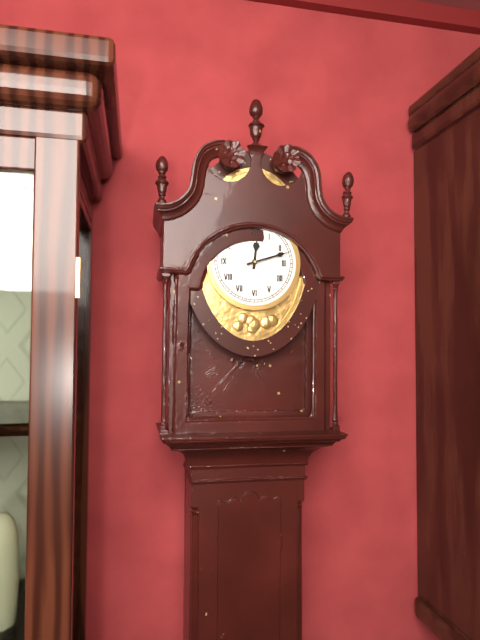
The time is 12:12
